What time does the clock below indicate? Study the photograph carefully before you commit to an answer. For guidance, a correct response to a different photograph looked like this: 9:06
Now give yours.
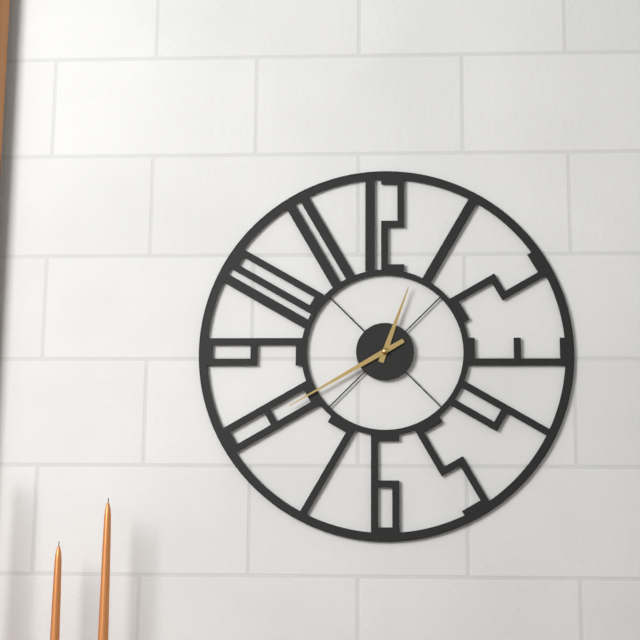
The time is 12:40
